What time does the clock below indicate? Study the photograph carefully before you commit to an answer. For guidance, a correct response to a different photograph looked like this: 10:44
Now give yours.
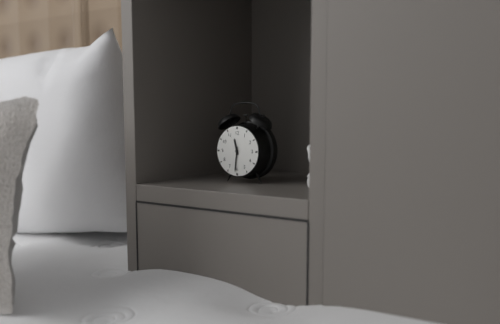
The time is 11:31
